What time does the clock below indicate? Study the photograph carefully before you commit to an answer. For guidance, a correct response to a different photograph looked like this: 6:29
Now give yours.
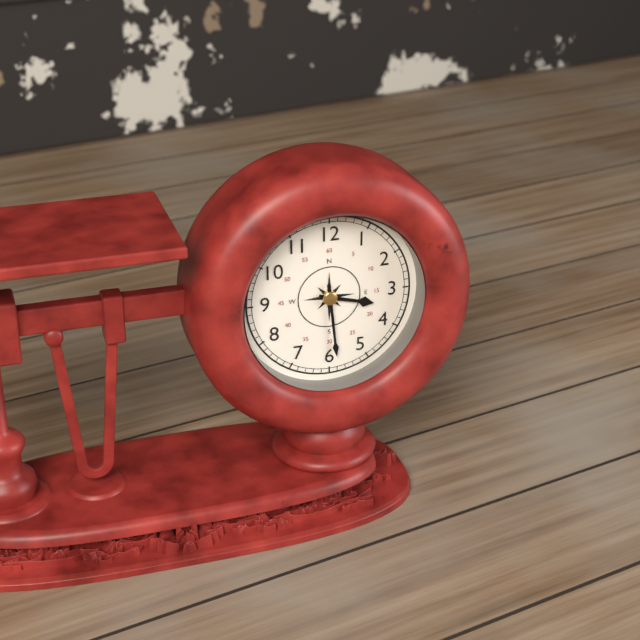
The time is 3:29
